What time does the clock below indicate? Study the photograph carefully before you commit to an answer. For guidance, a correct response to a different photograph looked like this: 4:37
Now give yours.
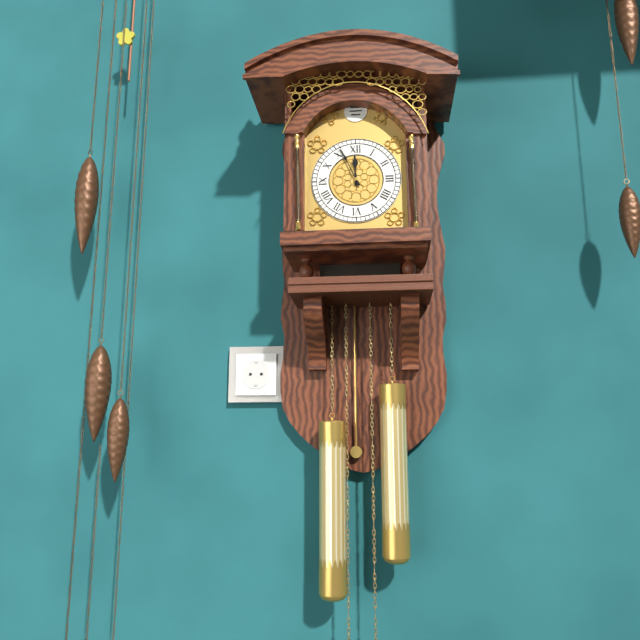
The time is 11:56
